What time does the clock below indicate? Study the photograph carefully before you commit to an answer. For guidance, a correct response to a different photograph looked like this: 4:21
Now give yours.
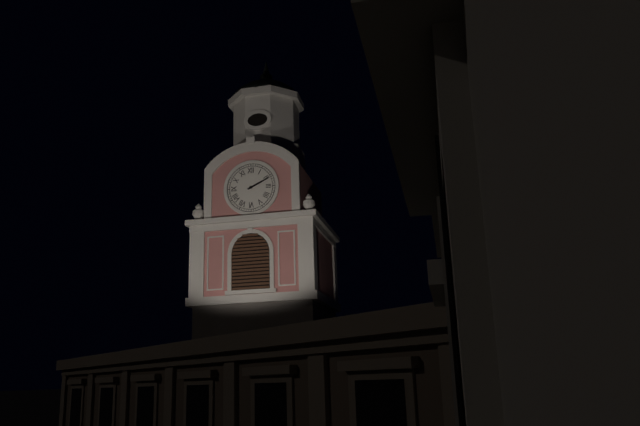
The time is 2:11
